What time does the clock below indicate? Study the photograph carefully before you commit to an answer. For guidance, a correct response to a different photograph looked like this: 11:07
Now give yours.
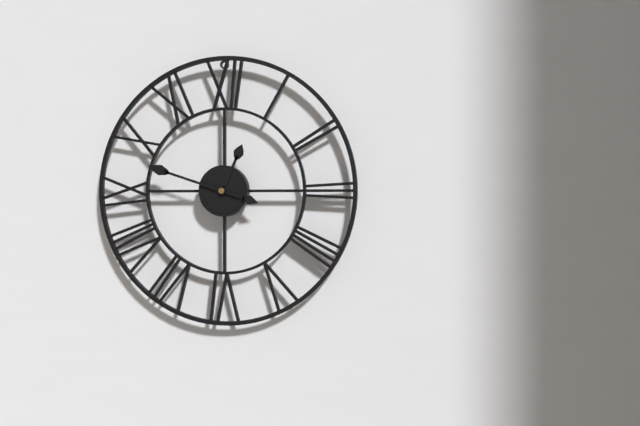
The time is 12:48
